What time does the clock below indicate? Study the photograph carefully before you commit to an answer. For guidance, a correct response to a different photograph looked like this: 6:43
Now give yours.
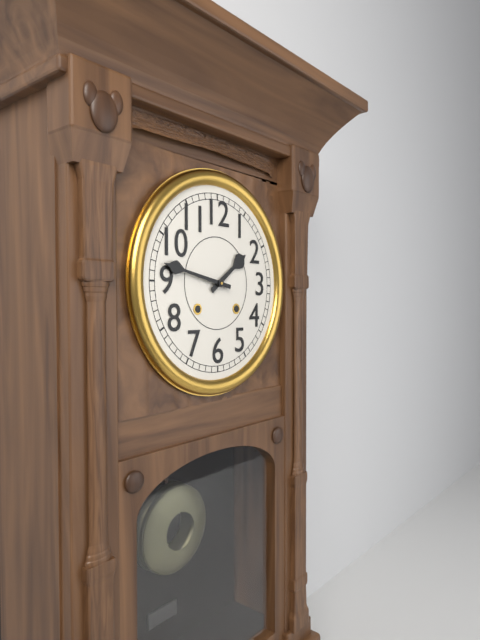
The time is 1:47
